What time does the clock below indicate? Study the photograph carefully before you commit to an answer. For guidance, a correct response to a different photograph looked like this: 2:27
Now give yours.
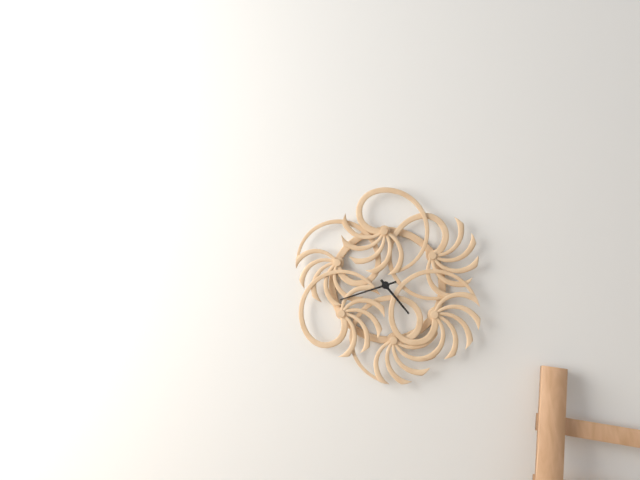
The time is 4:42
